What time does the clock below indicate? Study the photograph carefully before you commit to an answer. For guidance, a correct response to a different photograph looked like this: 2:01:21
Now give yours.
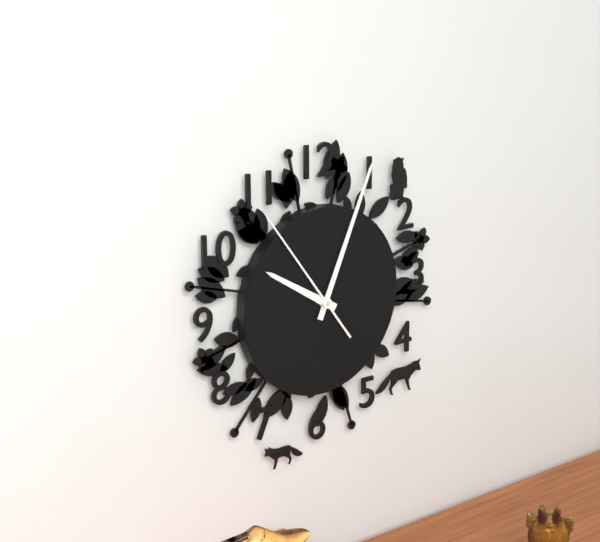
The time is 10:04:54
